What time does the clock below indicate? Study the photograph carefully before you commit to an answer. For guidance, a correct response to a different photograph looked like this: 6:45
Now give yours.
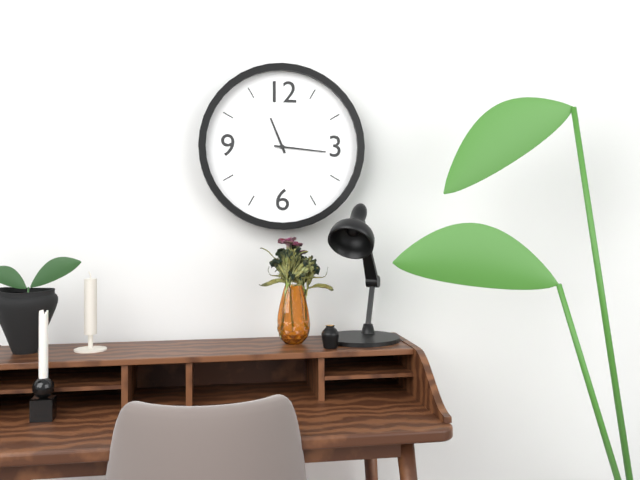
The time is 11:16
